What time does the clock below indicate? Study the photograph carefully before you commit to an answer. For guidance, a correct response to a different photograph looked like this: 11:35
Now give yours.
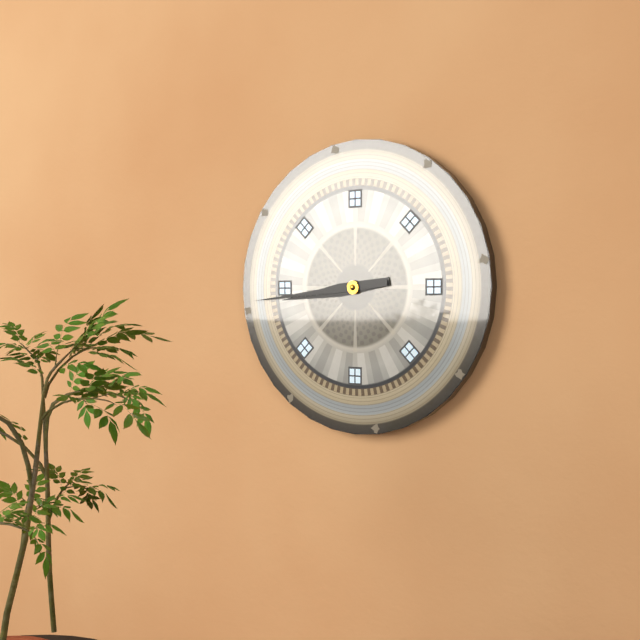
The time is 8:44
